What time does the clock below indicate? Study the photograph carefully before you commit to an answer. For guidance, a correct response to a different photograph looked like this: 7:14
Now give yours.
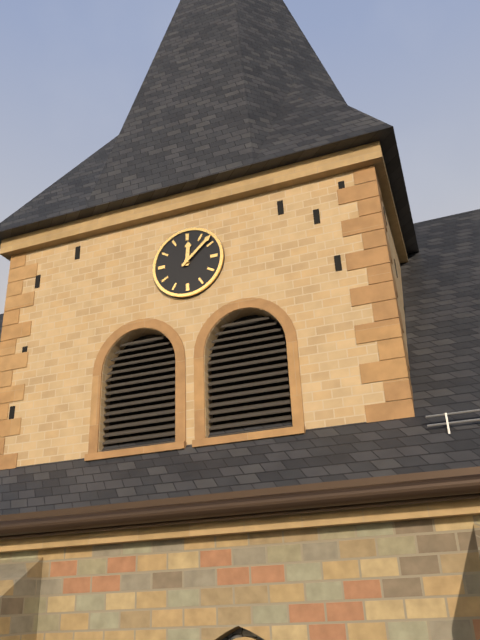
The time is 12:08
